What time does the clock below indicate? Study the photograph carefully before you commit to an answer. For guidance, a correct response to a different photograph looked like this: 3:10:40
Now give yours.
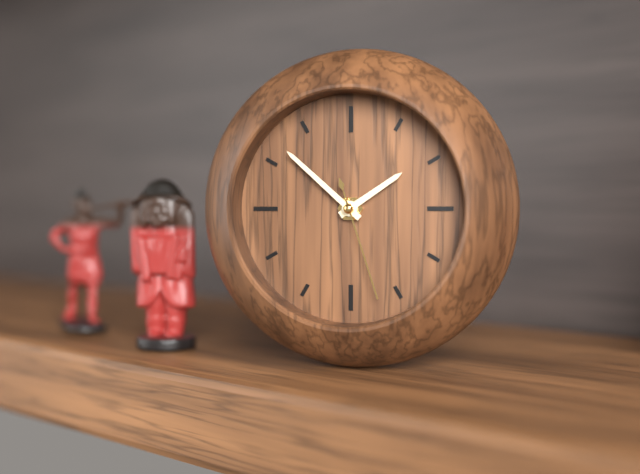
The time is 1:52:27
